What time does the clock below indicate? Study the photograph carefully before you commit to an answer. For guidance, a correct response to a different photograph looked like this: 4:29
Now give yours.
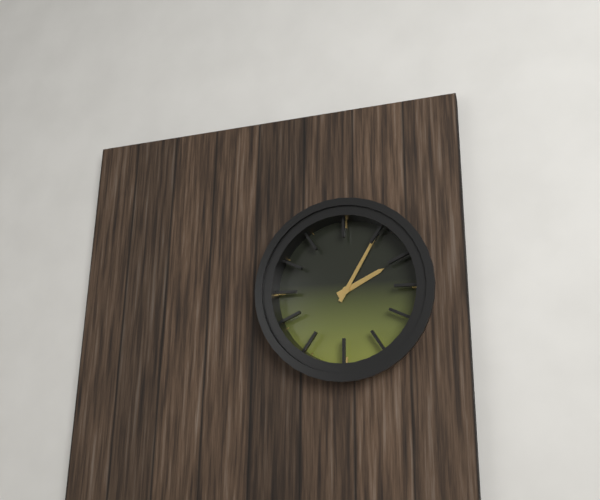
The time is 2:05
